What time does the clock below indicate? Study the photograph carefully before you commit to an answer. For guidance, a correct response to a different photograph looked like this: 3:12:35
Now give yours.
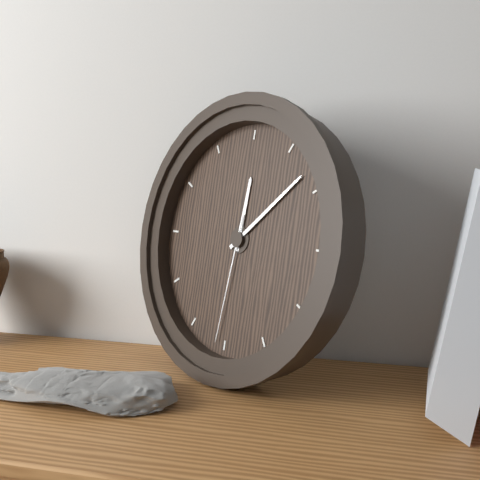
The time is 12:08:31
